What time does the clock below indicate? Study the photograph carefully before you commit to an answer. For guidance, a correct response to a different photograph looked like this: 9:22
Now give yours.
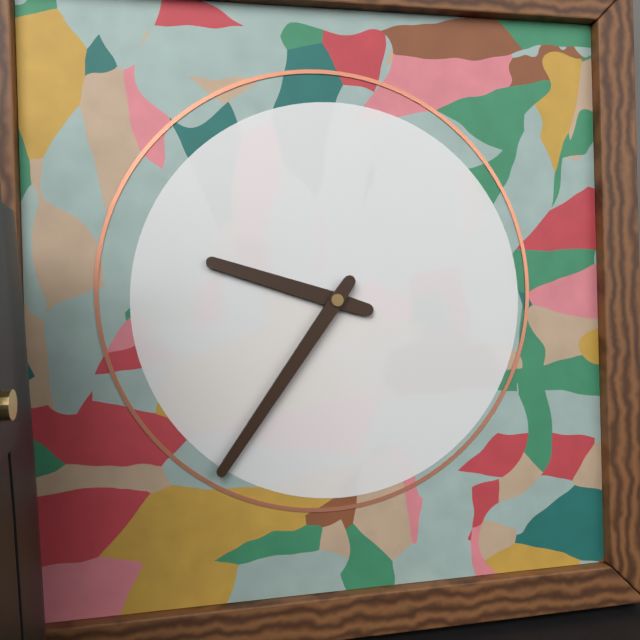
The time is 9:36
